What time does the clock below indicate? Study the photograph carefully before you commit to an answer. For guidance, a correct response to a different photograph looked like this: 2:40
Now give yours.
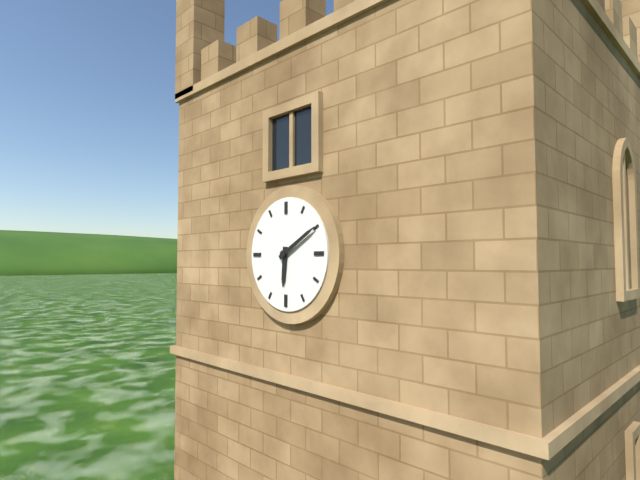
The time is 6:10
